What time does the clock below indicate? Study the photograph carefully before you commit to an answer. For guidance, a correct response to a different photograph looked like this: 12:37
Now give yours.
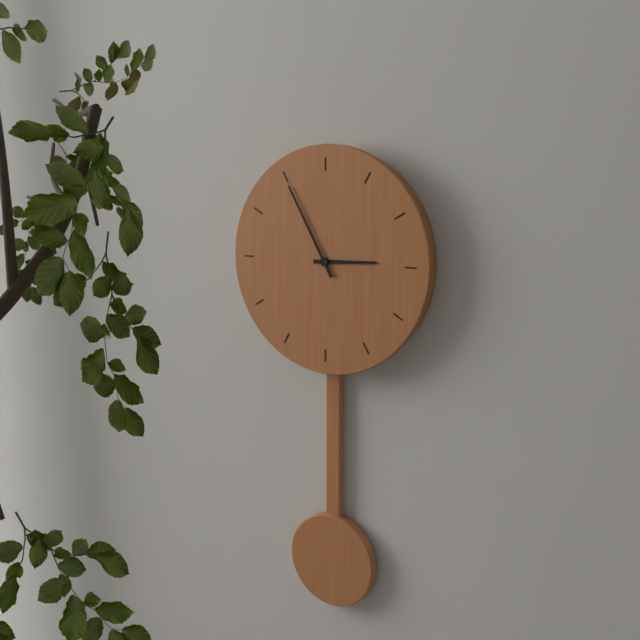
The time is 2:55
